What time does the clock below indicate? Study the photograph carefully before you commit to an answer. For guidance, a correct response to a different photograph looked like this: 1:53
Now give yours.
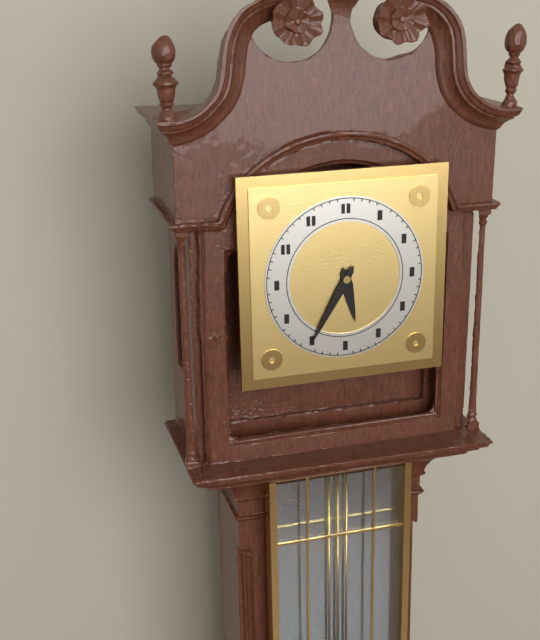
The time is 5:35
